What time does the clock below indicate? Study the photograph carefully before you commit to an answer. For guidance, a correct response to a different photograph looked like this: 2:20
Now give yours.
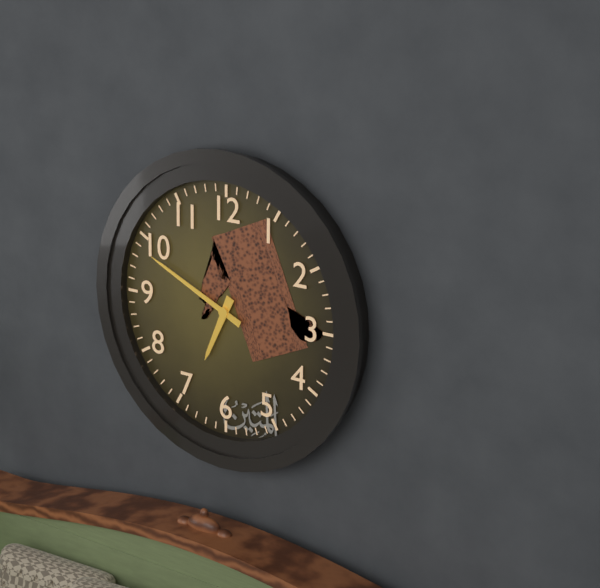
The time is 6:49
